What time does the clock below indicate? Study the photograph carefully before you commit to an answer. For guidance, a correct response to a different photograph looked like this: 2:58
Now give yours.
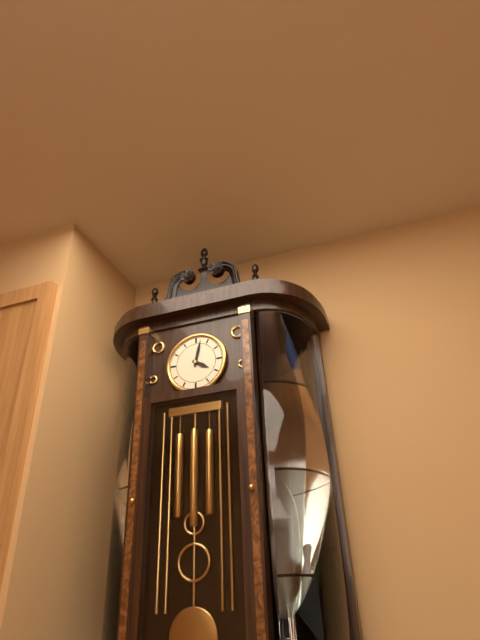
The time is 4:02
